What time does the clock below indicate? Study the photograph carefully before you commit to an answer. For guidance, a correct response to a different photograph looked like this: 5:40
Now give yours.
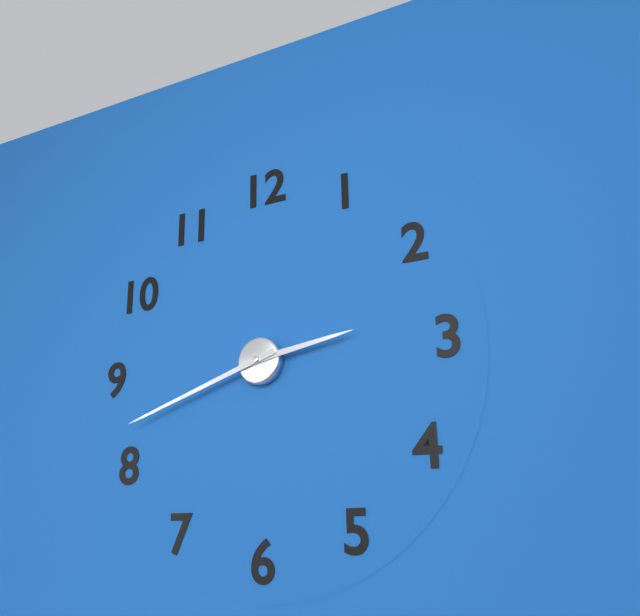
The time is 2:42
